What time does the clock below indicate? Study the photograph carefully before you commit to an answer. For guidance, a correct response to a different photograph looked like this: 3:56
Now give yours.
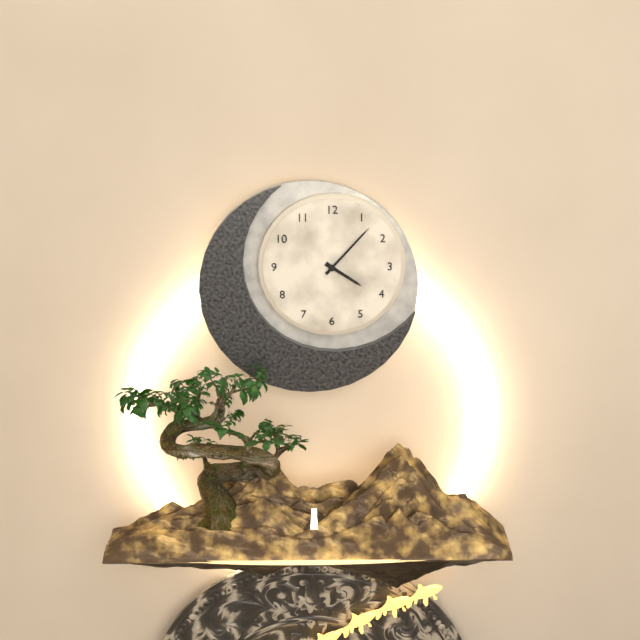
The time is 4:07
